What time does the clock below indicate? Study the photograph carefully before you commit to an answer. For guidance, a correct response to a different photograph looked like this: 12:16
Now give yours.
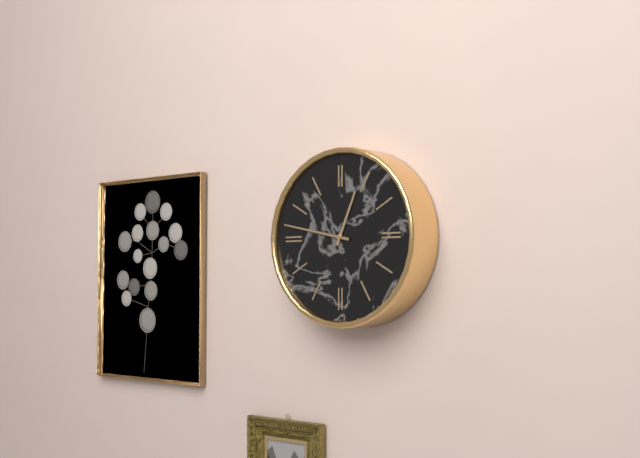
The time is 12:47
